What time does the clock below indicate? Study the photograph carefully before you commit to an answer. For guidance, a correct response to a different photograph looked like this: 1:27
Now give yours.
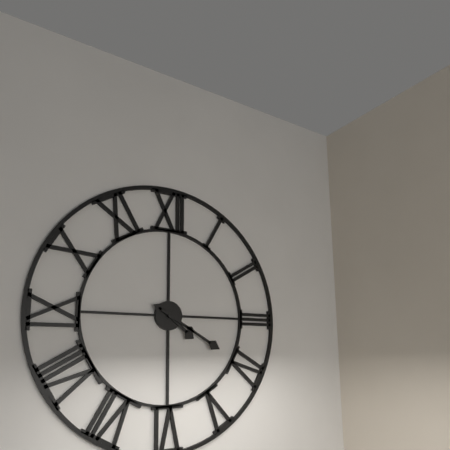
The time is 4:20
